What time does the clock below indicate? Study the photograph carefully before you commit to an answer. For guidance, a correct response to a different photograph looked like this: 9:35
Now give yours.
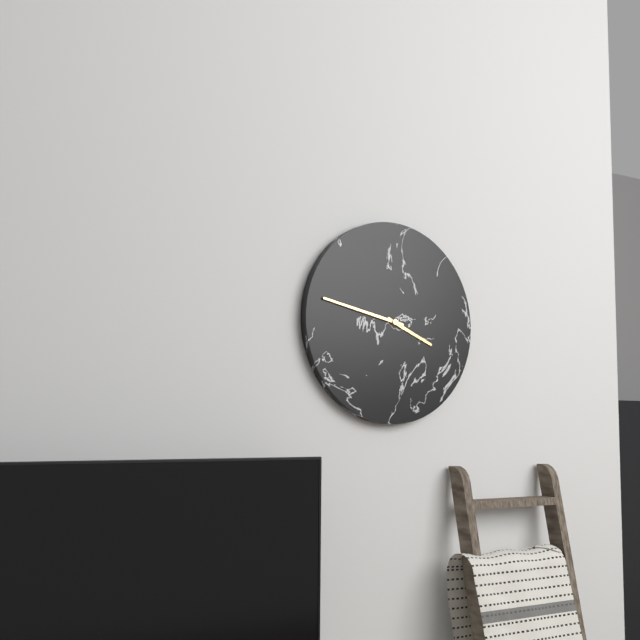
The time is 3:47
